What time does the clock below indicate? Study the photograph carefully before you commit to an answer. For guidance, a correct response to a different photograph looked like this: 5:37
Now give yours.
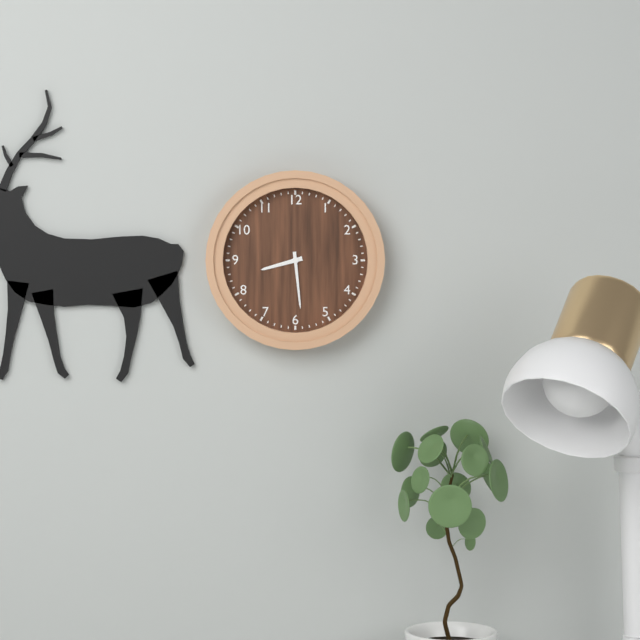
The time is 8:29
